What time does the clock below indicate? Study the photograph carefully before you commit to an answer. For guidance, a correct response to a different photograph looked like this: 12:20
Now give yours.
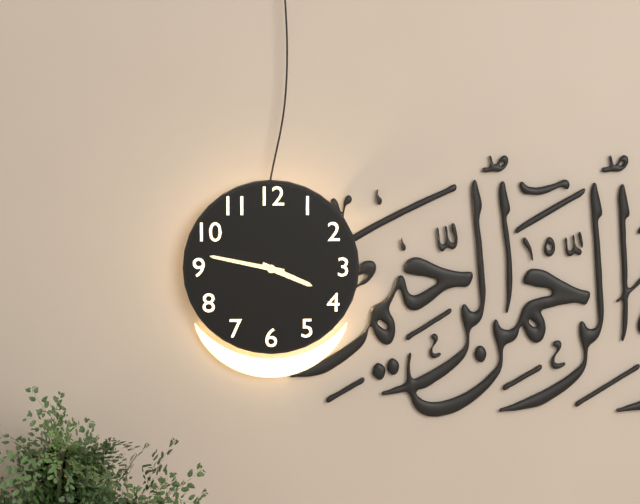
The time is 3:47
